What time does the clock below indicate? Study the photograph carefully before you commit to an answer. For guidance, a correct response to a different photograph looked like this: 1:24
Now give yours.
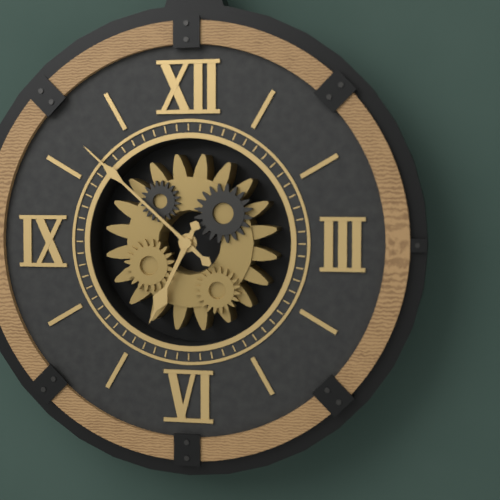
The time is 6:52
